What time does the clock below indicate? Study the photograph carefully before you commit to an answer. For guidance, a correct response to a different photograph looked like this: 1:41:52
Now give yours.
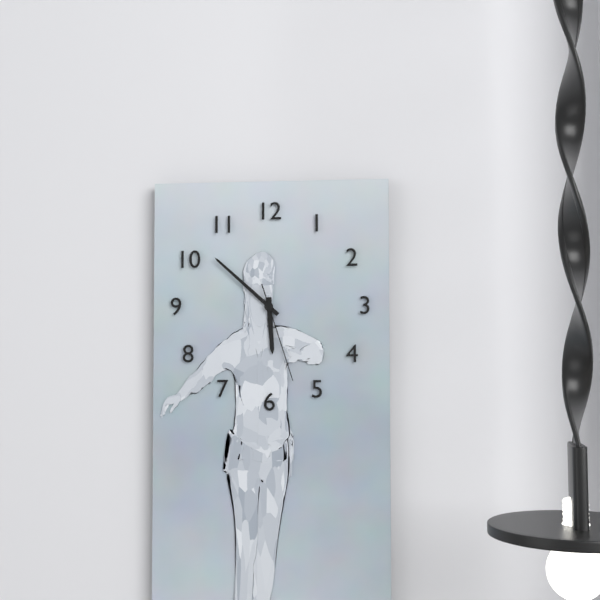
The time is 5:52:27
